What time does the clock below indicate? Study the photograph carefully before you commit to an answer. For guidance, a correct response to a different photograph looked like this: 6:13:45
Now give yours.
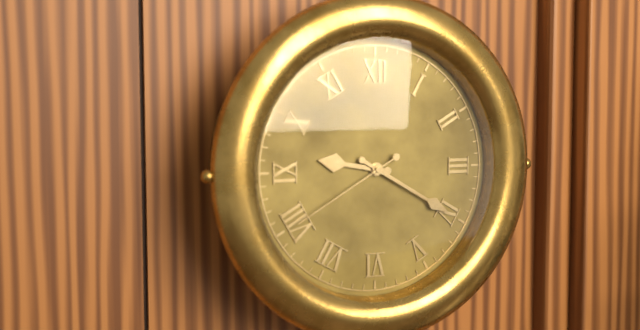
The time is 9:20:40
